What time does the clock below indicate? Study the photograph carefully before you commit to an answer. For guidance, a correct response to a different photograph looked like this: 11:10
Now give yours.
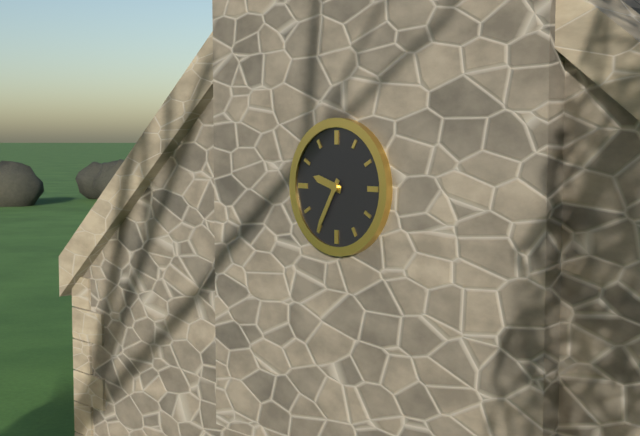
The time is 9:35
